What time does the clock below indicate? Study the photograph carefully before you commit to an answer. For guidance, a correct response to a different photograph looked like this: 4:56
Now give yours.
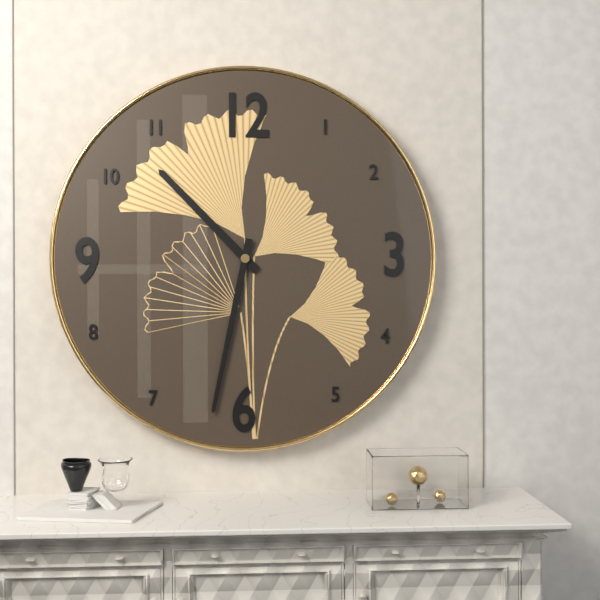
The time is 10:32
